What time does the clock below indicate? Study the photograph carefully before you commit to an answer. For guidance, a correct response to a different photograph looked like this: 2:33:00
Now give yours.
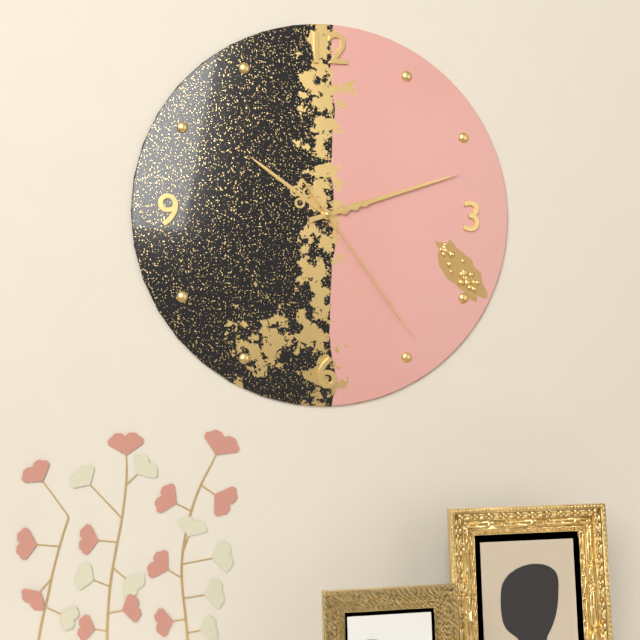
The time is 10:12:24
